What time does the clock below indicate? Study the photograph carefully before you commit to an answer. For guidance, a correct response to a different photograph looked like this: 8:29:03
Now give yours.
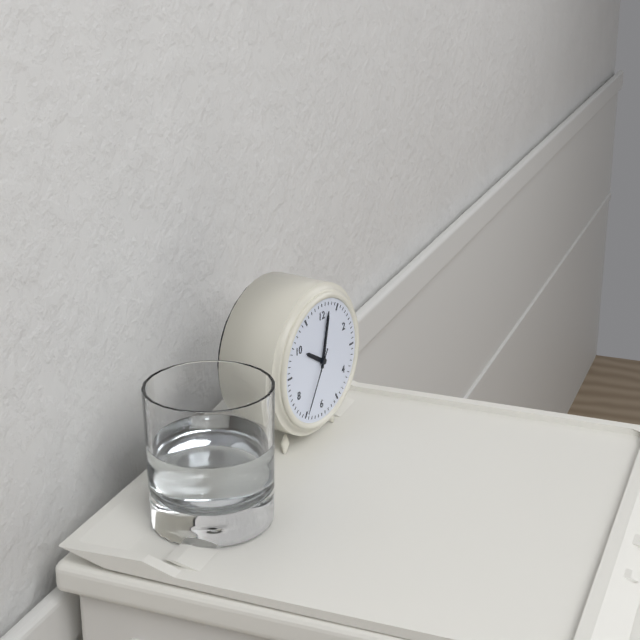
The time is 10:02:35
